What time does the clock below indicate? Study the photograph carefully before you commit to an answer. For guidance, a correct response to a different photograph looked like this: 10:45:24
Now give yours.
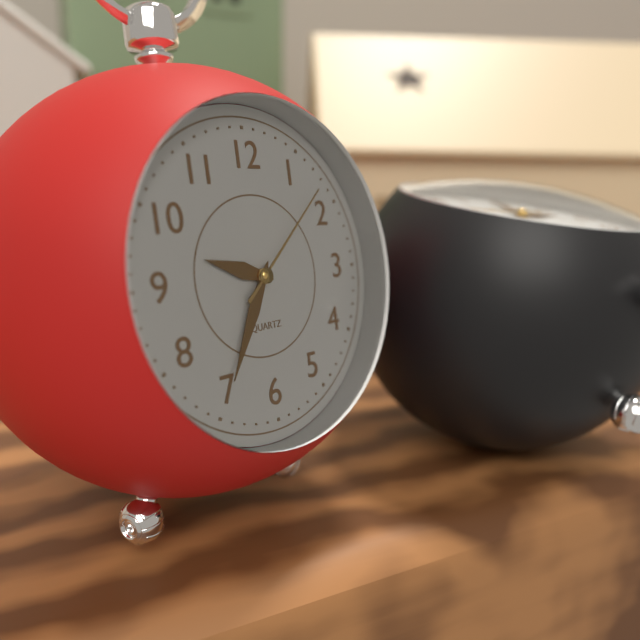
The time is 9:35:08
